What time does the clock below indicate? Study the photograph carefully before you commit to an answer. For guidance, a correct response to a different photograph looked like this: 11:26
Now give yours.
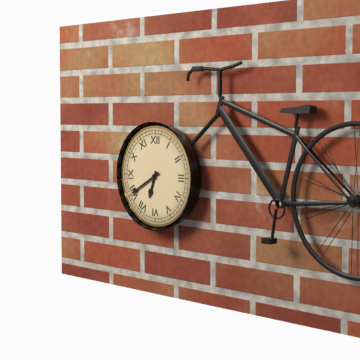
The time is 6:40
